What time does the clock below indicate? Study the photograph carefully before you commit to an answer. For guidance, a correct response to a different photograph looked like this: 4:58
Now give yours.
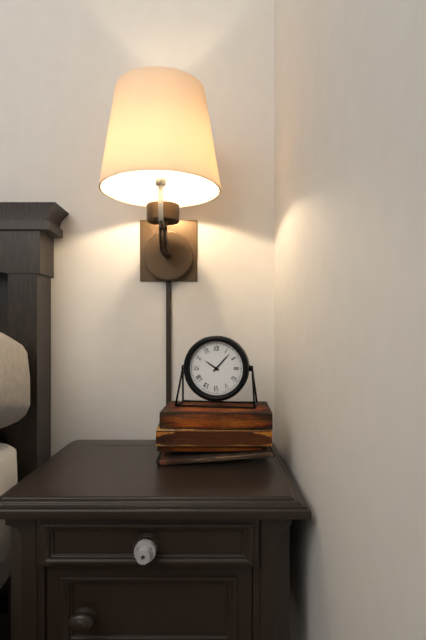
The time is 10:07
